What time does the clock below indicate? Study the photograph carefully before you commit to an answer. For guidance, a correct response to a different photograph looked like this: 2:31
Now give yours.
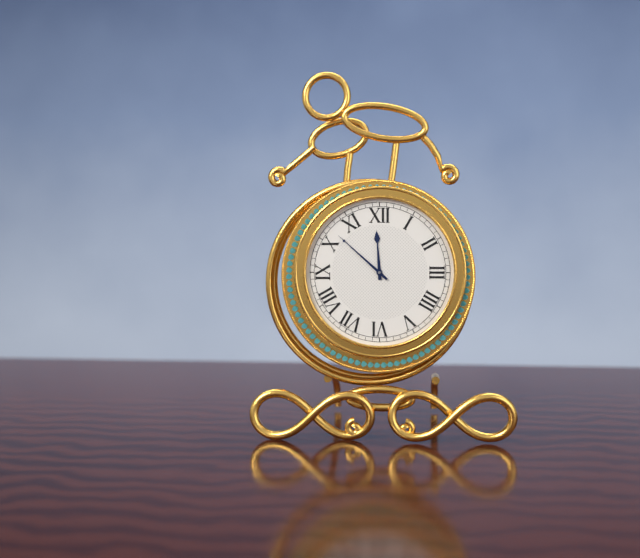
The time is 11:52
